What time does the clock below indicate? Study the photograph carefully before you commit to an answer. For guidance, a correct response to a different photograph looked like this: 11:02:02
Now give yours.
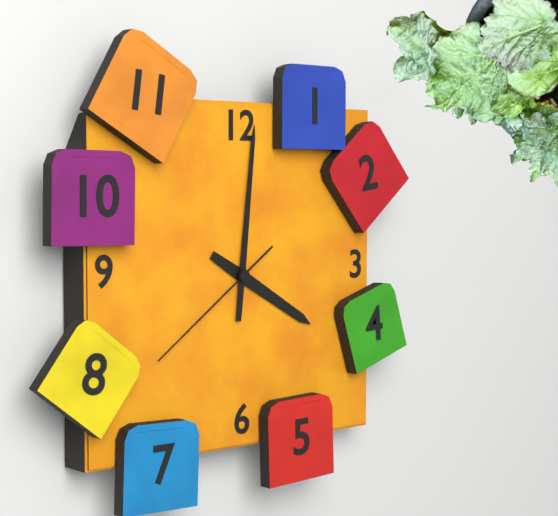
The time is 4:01:39
